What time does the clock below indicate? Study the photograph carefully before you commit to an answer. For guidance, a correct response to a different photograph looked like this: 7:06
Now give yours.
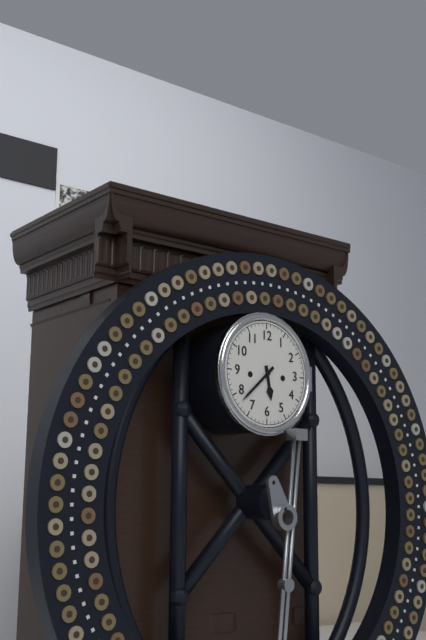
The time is 5:38
